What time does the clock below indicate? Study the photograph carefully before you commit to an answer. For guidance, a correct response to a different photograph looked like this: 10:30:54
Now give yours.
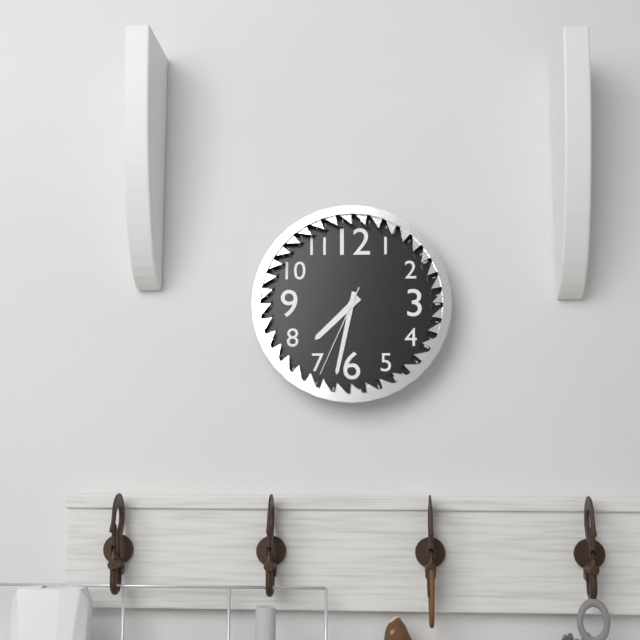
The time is 7:32:34
